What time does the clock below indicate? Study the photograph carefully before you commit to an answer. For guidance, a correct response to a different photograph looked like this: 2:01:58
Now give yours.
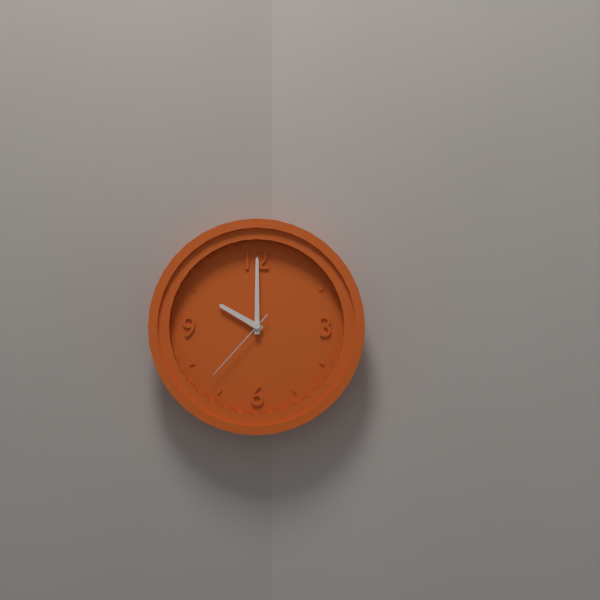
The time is 10:00:37
